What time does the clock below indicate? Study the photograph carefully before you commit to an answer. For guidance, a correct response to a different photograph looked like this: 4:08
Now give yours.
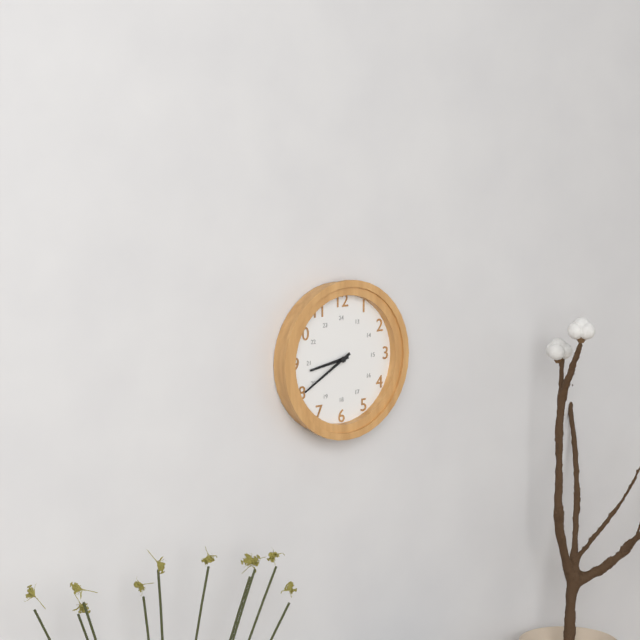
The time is 8:40
